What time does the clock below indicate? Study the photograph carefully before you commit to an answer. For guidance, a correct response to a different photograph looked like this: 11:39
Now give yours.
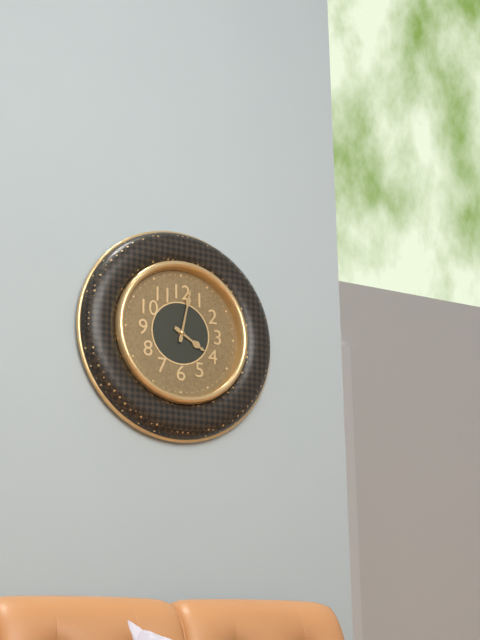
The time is 4:02
